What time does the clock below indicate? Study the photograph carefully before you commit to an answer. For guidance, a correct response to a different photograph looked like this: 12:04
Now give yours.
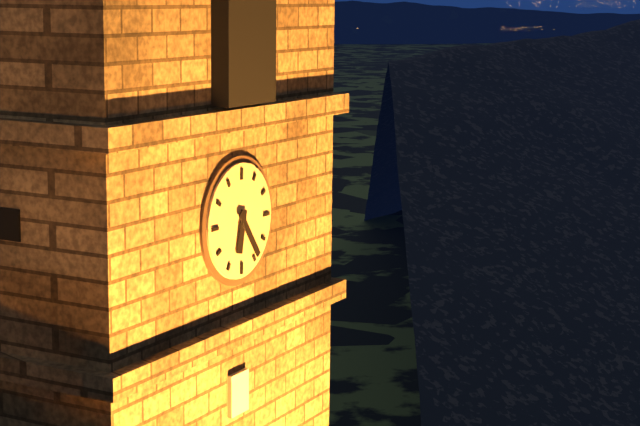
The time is 6:24
